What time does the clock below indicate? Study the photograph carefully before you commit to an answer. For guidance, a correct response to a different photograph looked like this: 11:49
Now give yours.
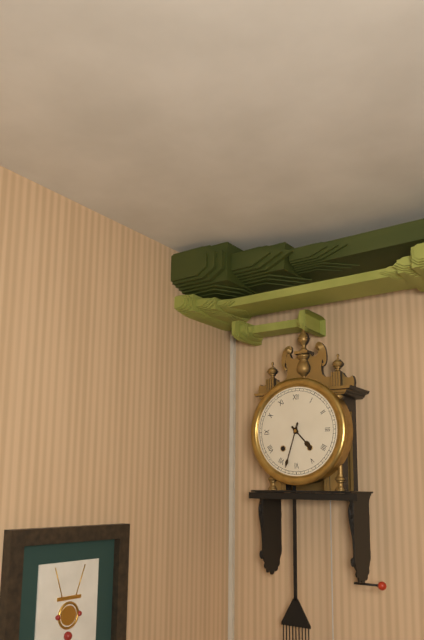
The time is 4:33
